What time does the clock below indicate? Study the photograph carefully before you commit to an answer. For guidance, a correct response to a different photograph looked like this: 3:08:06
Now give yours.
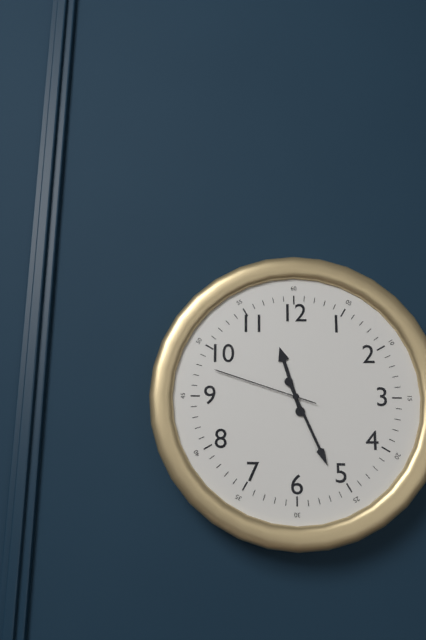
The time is 11:26:48
